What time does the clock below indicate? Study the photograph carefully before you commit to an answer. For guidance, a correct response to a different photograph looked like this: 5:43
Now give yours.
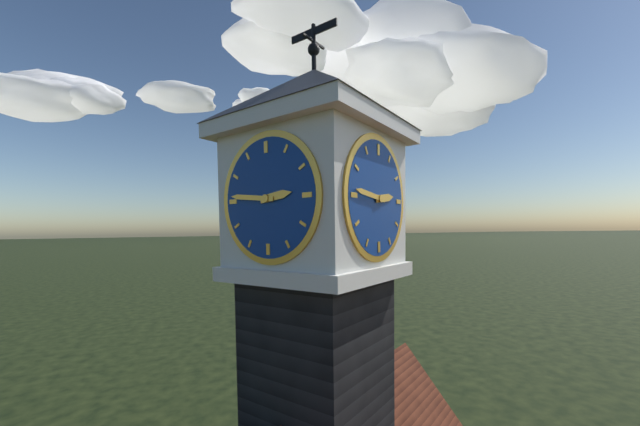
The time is 2:46
